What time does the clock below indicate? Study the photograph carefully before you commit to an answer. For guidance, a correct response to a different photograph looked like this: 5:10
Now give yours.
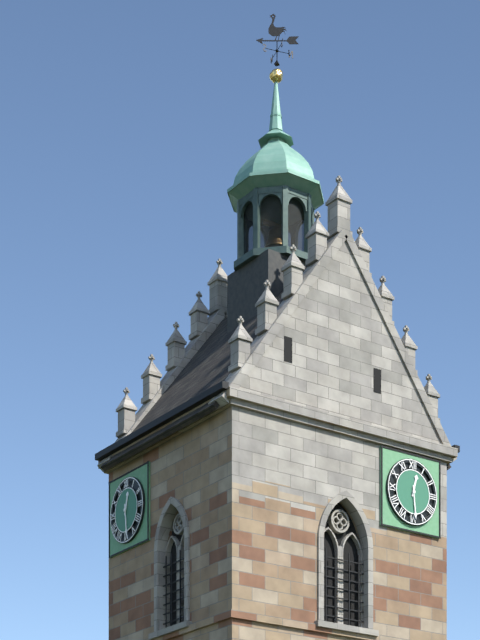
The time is 12:29
